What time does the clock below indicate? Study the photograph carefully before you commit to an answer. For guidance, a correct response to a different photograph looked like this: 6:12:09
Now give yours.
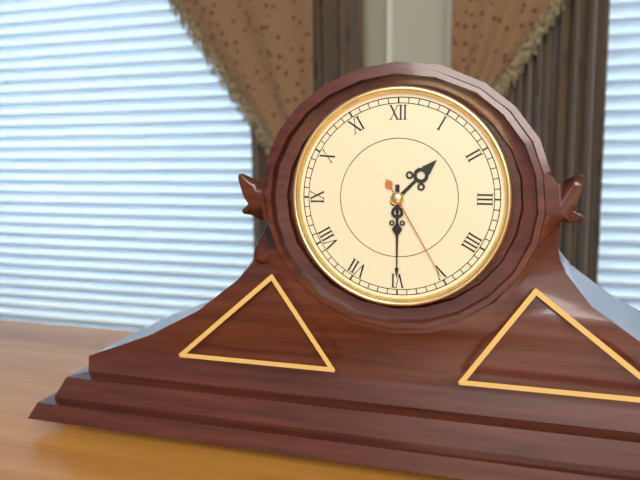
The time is 1:30:25
